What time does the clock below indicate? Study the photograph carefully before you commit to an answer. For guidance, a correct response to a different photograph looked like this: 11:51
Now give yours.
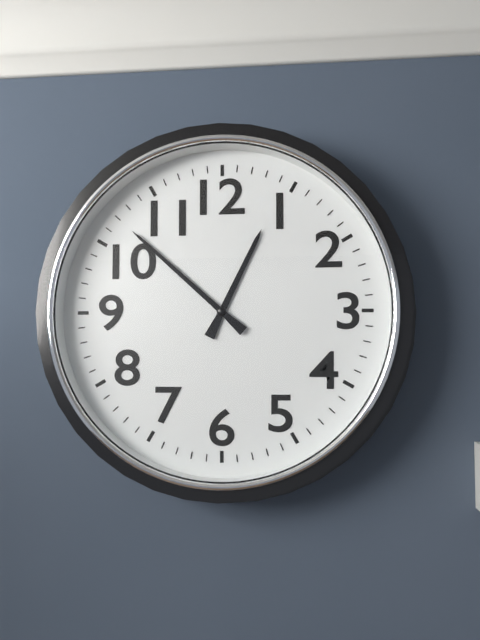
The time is 12:52
